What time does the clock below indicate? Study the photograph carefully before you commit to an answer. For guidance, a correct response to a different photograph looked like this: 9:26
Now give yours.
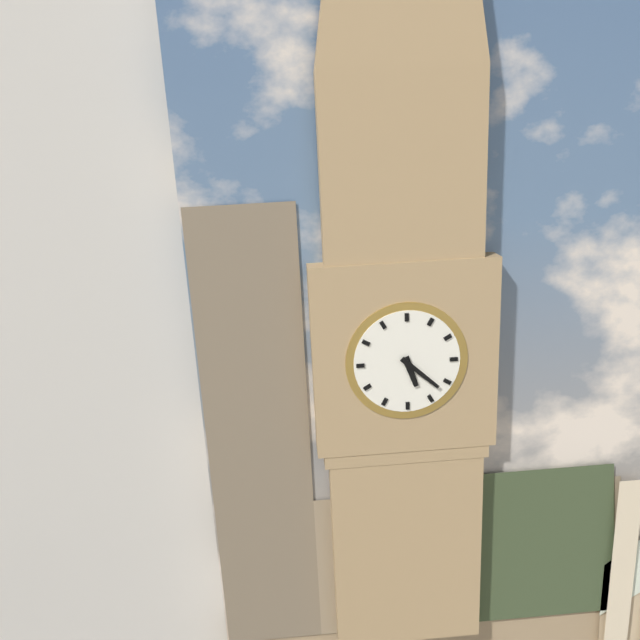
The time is 5:22
